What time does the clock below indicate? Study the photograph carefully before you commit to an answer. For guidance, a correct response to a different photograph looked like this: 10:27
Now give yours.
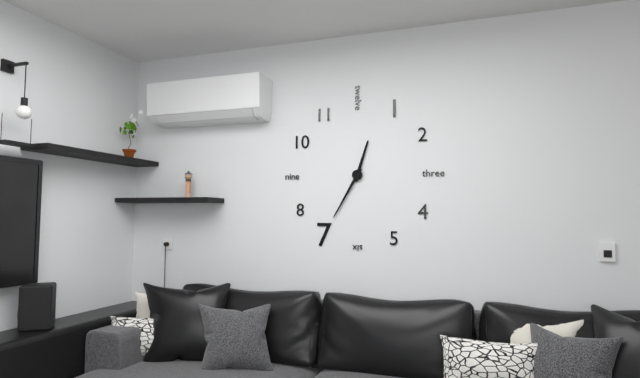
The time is 12:35
